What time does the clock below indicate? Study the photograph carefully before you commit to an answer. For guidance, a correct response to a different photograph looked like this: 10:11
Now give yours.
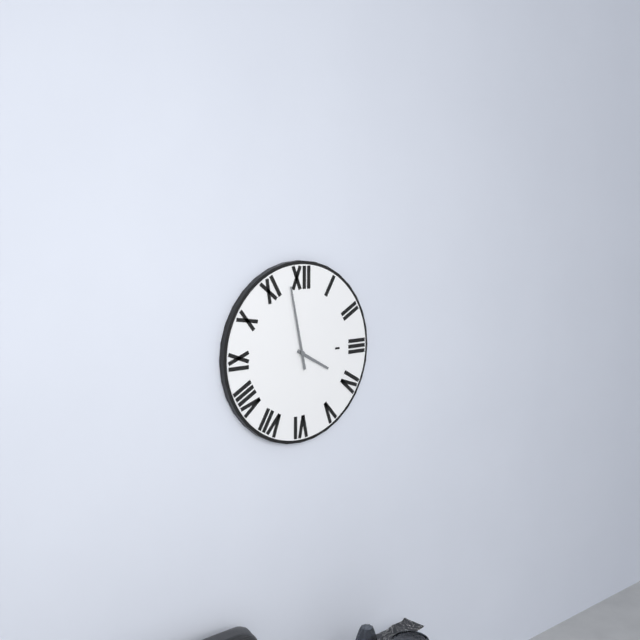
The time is 3:58
